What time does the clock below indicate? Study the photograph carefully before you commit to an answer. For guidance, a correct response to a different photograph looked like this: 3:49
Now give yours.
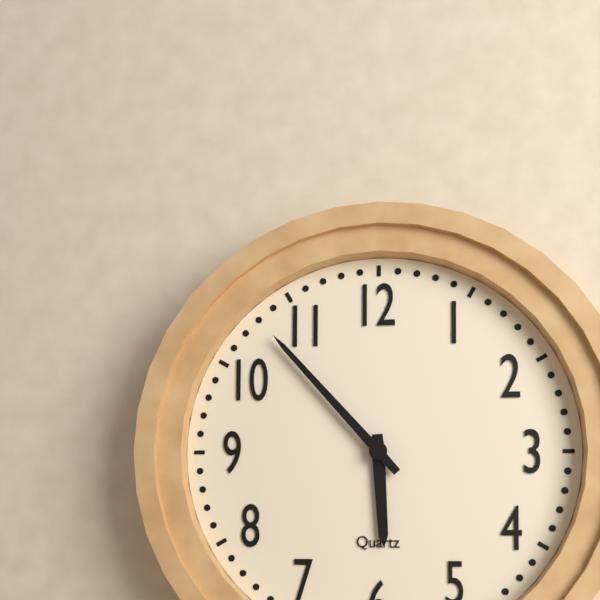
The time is 5:53
